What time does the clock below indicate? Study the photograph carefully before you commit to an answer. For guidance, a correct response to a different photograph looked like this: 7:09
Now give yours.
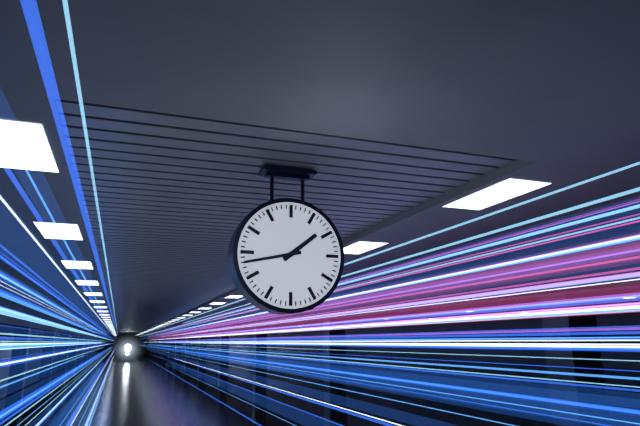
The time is 1:43
